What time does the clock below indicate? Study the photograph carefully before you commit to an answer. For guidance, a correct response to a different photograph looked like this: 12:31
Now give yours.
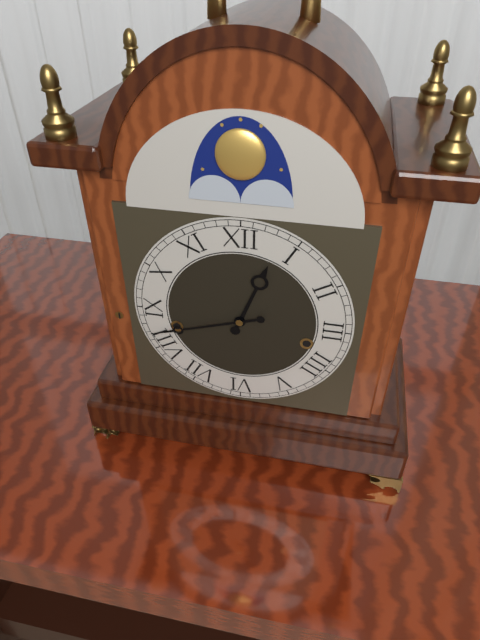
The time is 12:42
